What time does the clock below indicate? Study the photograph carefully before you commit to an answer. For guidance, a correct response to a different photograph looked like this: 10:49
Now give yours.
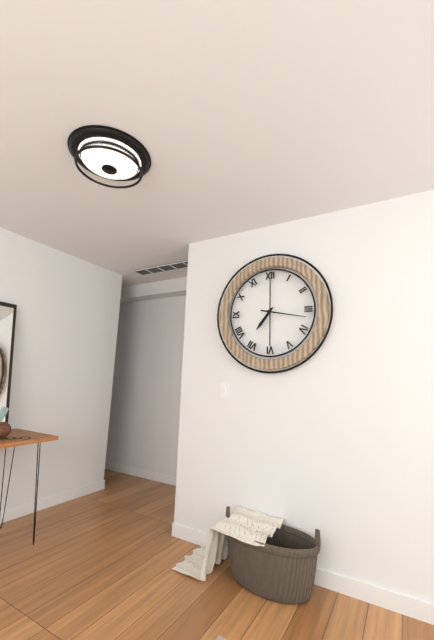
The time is 7:17
